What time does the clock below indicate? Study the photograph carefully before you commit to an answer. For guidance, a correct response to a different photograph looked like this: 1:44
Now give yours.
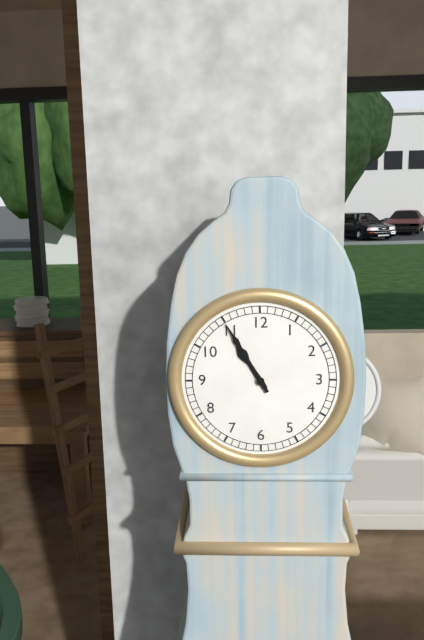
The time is 10:55
